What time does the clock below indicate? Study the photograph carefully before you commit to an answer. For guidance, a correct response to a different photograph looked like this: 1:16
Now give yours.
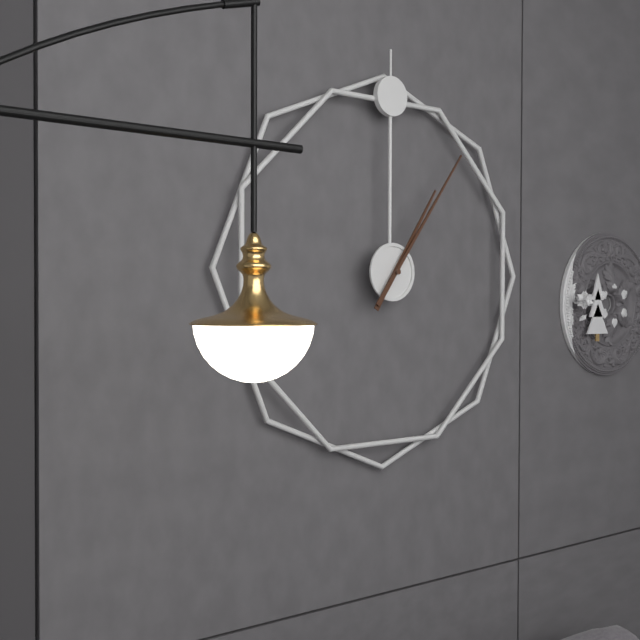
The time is 1:06
